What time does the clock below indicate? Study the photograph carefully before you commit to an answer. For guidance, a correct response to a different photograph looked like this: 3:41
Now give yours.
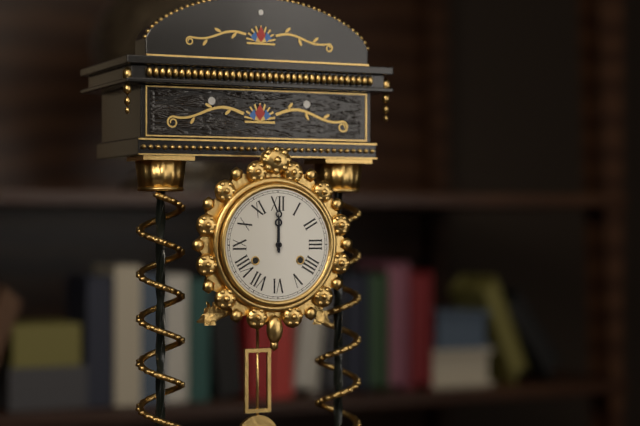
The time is 12:00
